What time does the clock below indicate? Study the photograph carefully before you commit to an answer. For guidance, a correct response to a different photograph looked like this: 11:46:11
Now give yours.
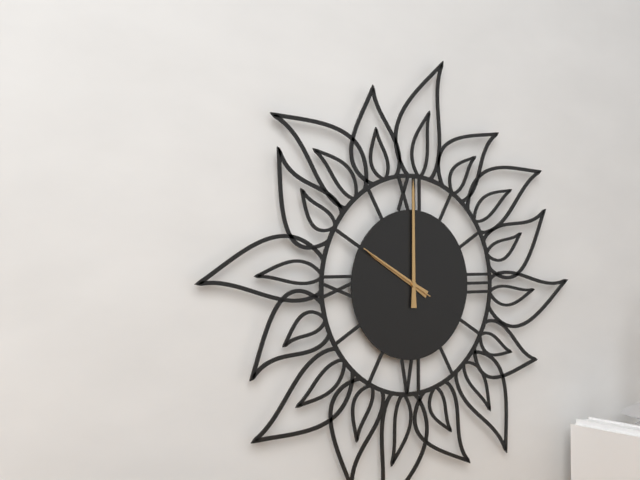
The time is 10:00:50
